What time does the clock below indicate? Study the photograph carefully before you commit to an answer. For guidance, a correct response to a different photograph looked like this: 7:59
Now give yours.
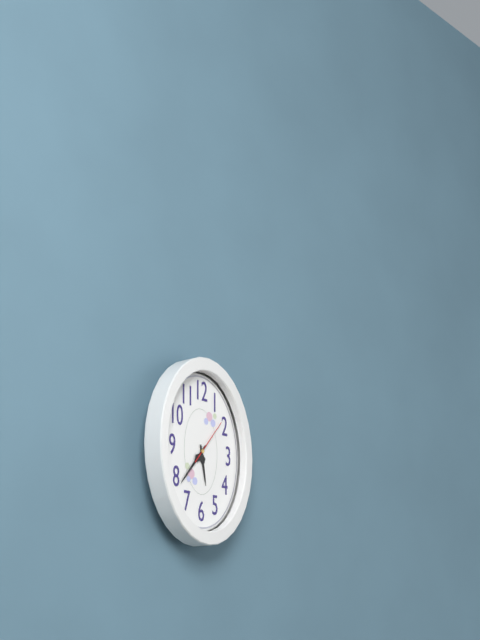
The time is 5:37
